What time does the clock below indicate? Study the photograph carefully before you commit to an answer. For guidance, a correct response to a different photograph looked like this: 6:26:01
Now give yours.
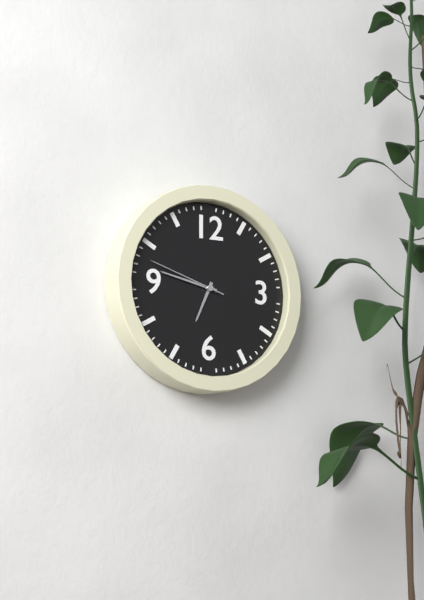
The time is 6:47:48
